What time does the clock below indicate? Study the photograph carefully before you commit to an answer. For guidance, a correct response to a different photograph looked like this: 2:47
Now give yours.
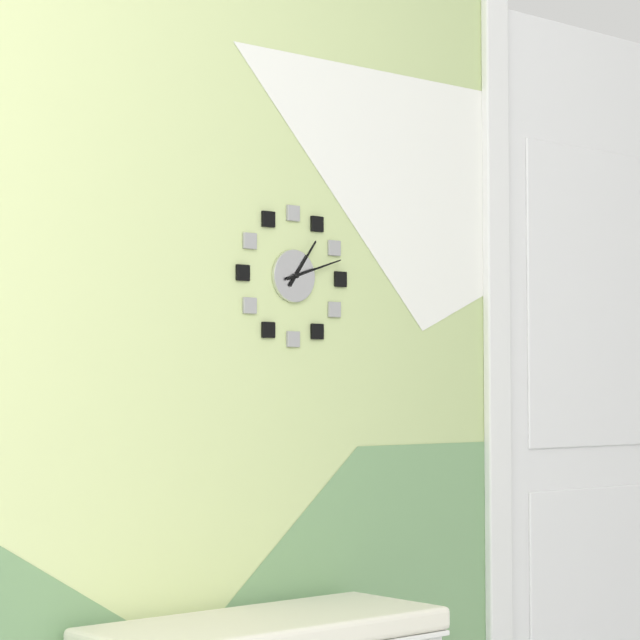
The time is 1:12
